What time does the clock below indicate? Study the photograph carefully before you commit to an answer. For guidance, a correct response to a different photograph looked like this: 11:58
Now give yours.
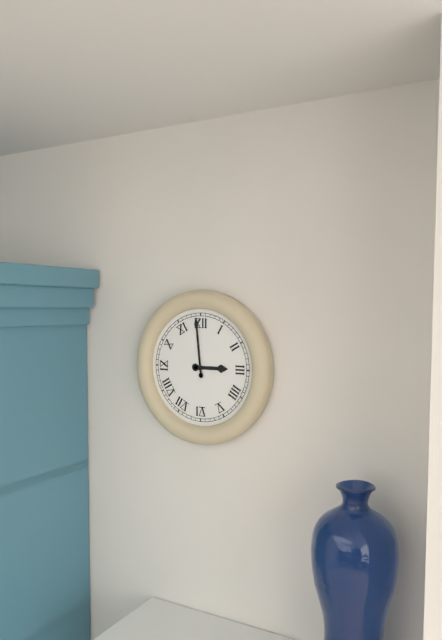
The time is 2:59
